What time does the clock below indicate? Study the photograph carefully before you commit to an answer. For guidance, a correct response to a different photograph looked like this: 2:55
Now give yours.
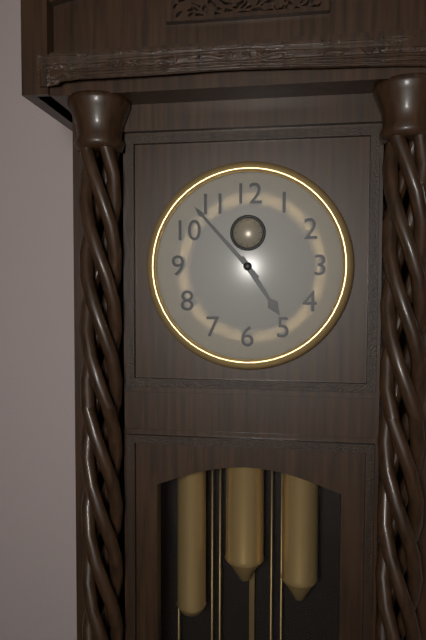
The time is 4:53
